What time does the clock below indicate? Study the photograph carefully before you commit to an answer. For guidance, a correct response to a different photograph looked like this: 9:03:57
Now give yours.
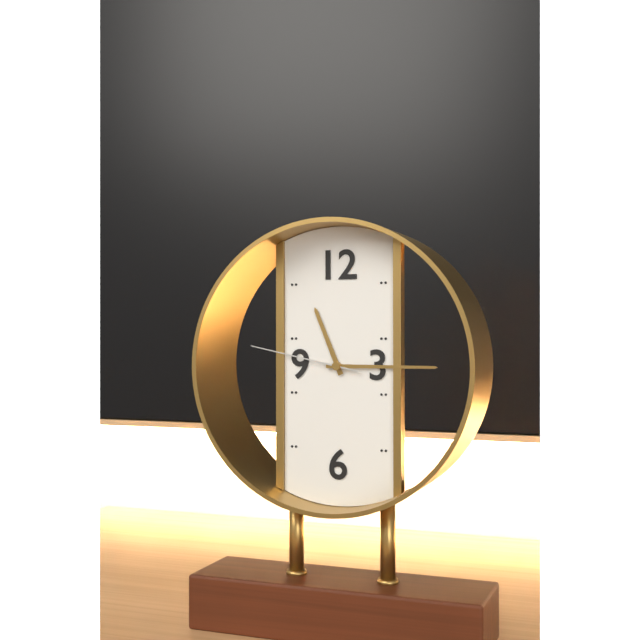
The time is 11:15:47
